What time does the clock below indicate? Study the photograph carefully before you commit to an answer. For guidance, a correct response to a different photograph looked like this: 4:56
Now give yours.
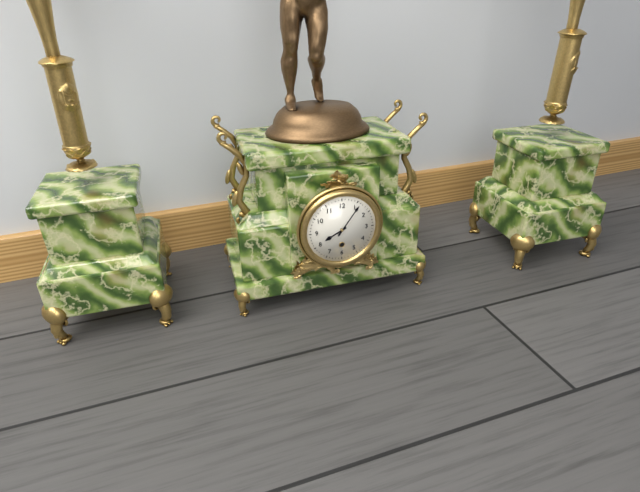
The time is 8:06
